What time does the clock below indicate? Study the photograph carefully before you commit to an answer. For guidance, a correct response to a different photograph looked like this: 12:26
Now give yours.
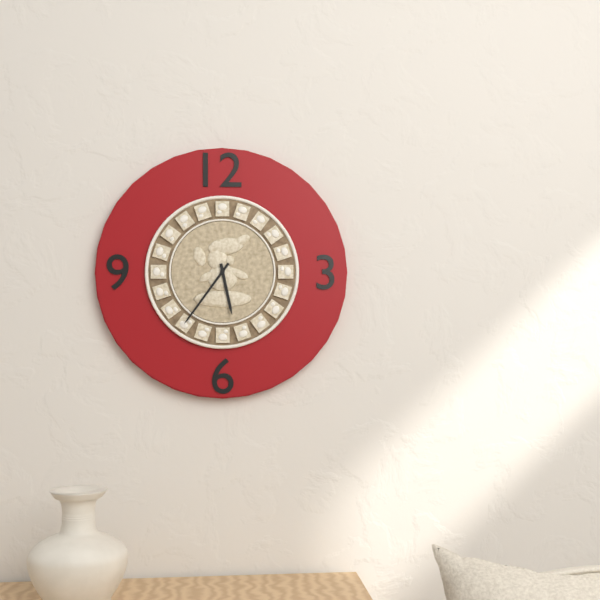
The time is 5:36
